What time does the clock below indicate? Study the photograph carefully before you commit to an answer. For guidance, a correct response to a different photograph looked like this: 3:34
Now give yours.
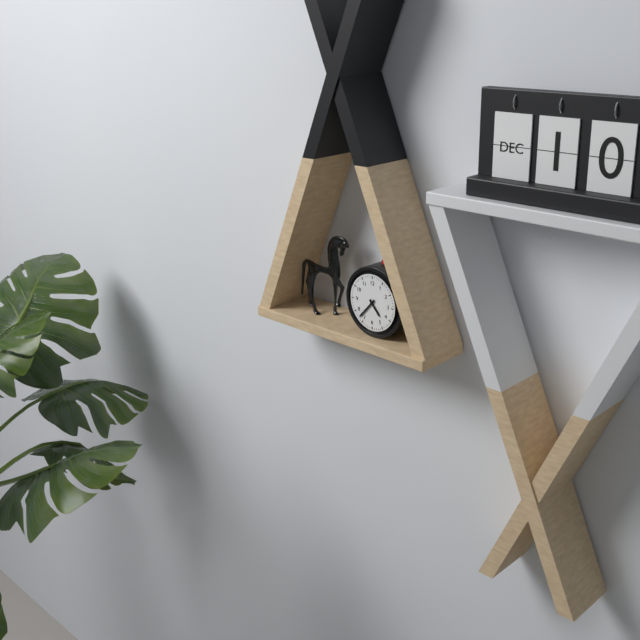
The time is 4:37
